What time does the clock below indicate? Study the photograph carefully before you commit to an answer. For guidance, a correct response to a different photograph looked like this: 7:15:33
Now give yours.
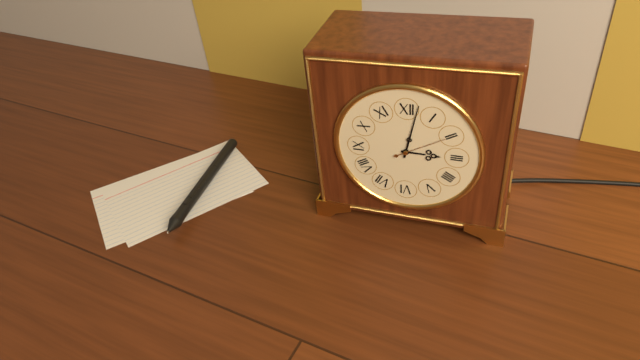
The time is 3:02:10
